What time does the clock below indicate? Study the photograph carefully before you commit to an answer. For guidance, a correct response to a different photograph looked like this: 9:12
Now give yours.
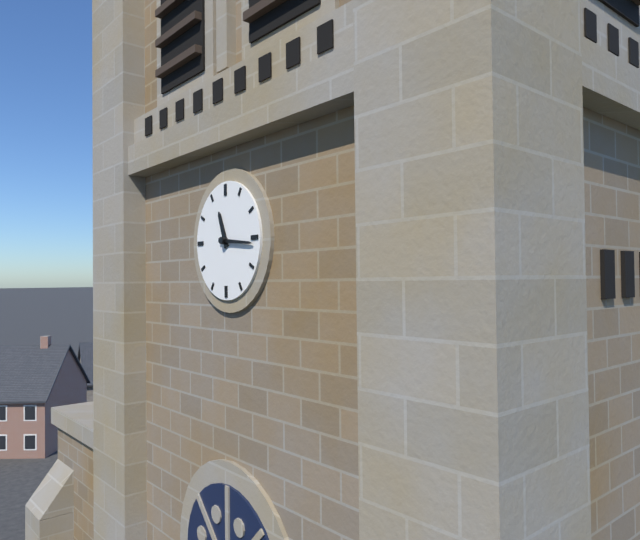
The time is 11:16
